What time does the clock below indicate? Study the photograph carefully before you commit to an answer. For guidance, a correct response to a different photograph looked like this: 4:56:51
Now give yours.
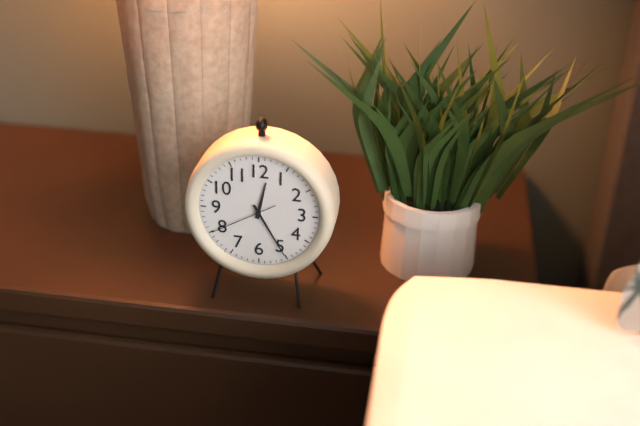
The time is 12:25:40
